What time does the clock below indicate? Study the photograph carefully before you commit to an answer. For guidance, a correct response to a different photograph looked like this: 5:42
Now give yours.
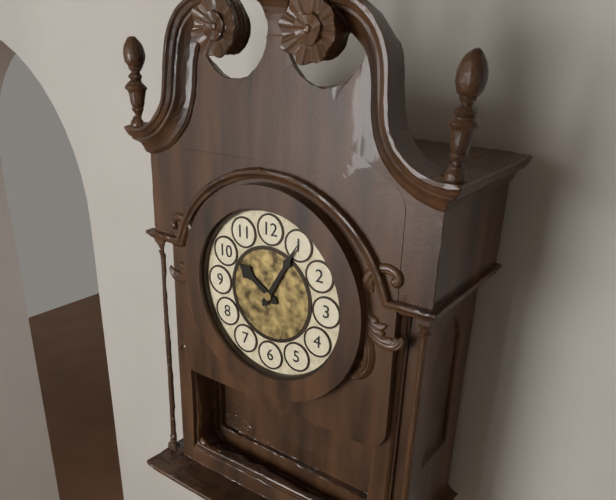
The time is 10:05
